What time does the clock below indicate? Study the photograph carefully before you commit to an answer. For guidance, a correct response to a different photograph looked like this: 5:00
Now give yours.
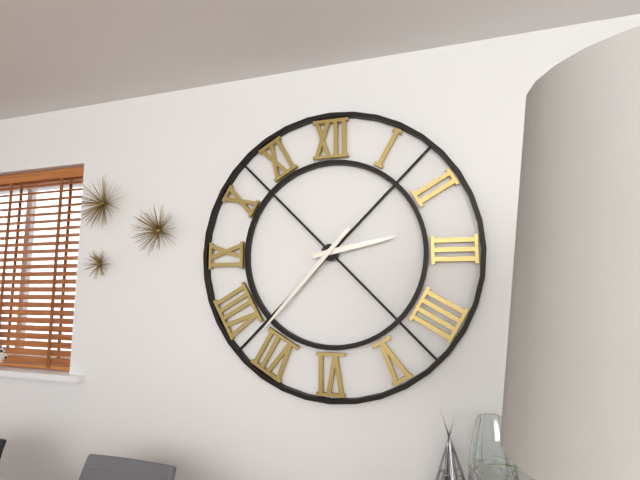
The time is 2:37
